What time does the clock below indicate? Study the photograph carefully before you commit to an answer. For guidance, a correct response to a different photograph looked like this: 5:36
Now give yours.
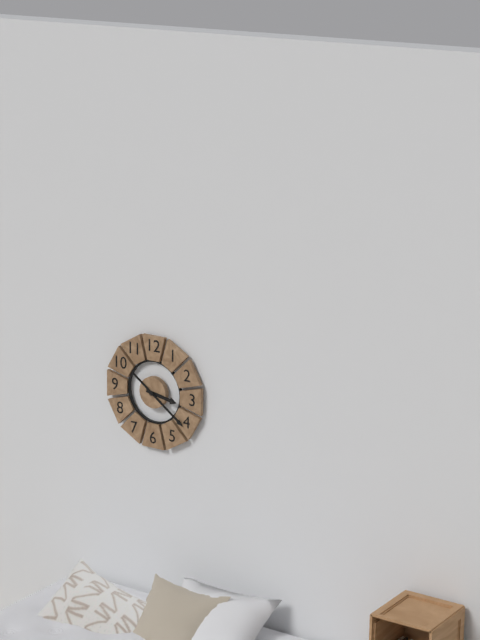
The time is 3:21
